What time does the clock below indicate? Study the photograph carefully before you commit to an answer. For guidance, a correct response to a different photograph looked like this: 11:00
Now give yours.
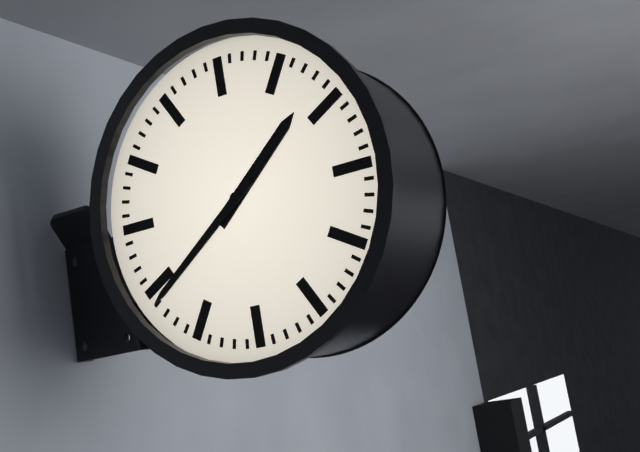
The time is 1:39
